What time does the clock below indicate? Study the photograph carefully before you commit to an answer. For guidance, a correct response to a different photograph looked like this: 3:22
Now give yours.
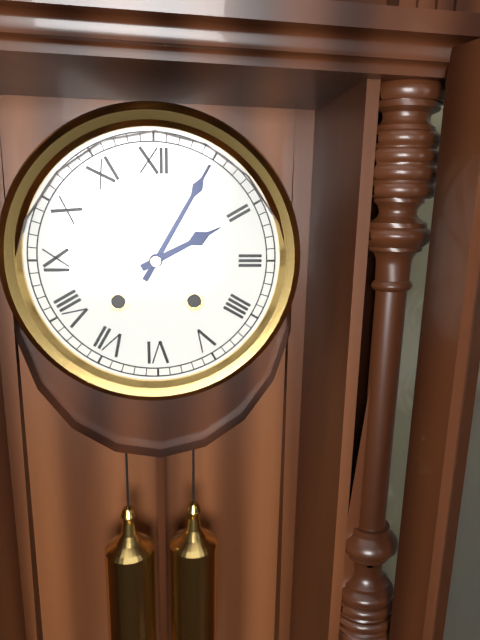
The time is 2:05
